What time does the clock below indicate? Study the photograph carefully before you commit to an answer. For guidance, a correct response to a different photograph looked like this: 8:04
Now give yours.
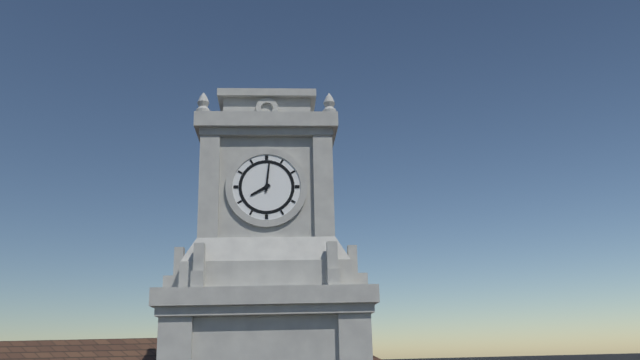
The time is 8:01
